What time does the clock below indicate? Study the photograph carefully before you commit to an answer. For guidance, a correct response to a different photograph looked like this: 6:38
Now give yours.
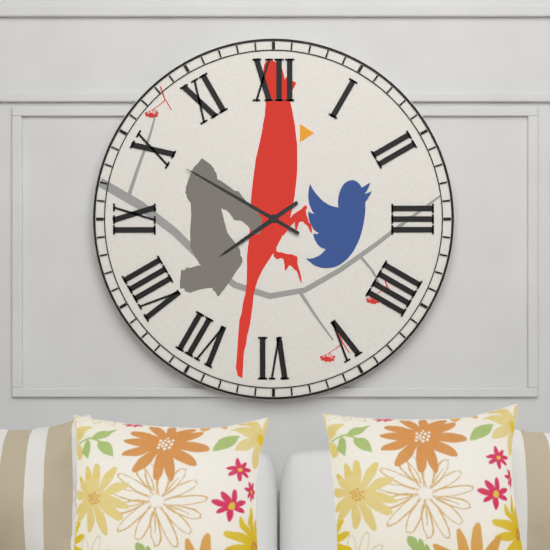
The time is 7:50
